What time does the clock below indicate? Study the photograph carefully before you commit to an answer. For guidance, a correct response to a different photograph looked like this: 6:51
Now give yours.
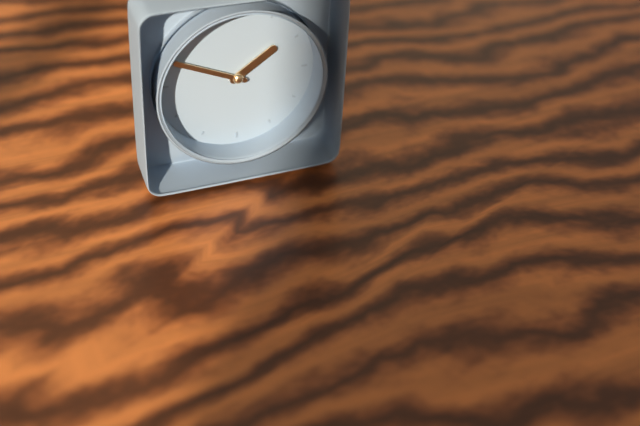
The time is 1:49
